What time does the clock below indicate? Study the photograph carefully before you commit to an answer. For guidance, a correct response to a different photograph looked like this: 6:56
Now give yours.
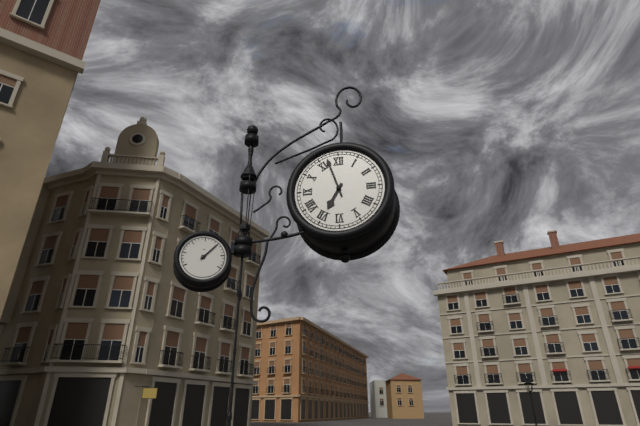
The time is 6:57
